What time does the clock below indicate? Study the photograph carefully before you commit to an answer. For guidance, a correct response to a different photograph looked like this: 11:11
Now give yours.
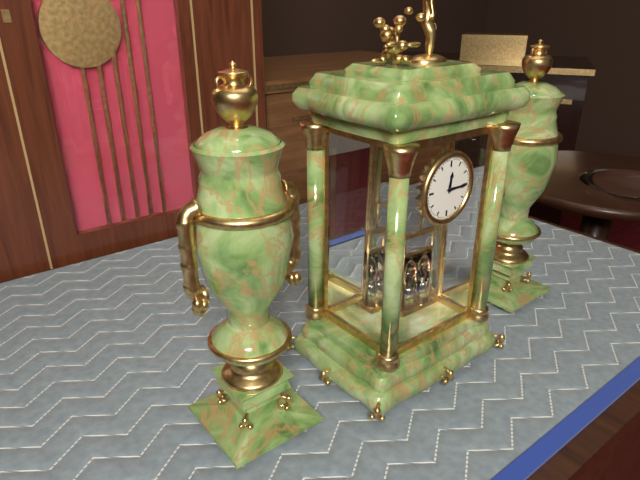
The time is 12:15
